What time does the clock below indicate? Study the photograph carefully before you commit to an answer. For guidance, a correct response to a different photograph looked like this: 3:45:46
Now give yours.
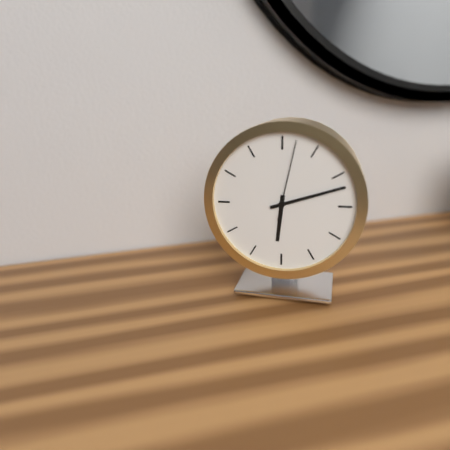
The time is 6:12:02
